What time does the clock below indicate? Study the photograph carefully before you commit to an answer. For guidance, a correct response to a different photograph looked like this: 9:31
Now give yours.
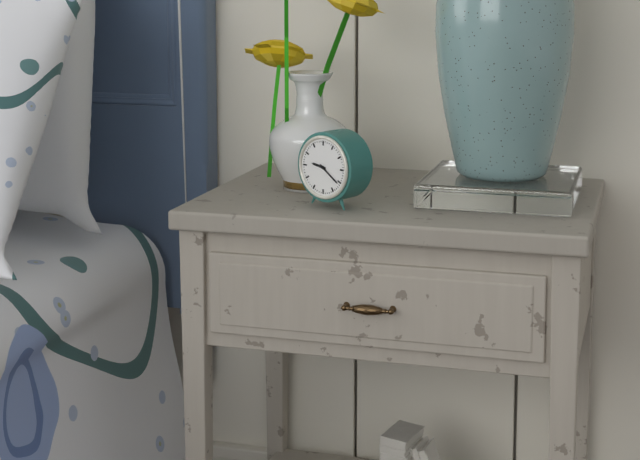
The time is 9:21
